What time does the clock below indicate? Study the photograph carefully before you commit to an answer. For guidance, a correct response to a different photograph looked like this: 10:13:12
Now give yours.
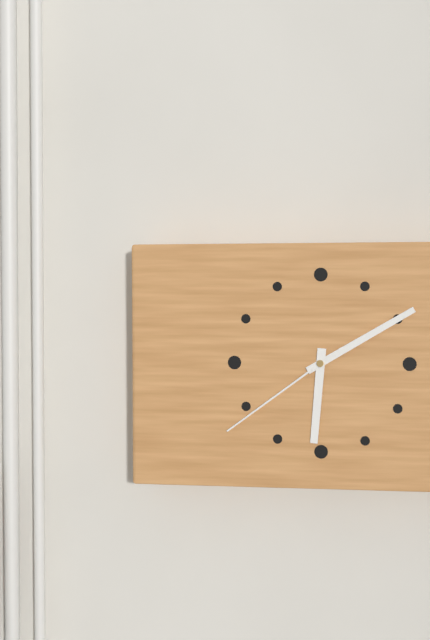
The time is 6:10:39
